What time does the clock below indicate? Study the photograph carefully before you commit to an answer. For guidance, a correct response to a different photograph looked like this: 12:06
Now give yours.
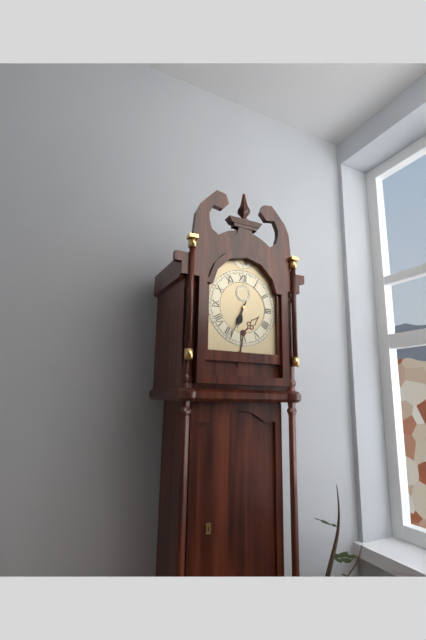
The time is 6:34
